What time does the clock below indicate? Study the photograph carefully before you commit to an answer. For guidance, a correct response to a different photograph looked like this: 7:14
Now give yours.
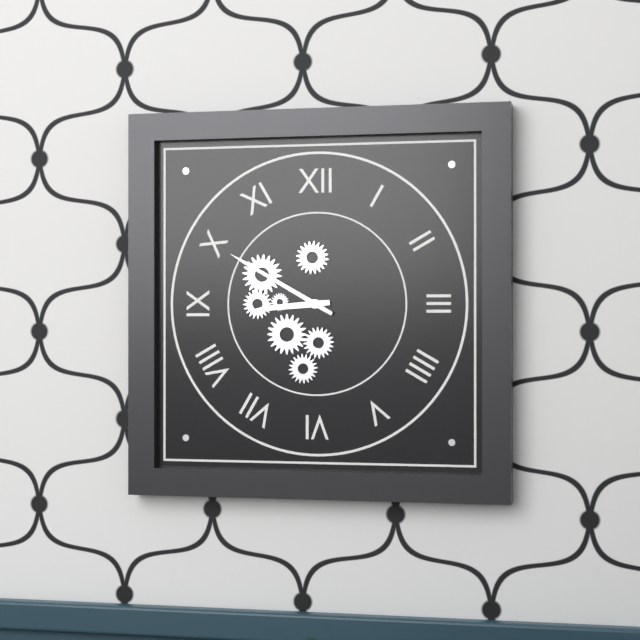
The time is 8:50
